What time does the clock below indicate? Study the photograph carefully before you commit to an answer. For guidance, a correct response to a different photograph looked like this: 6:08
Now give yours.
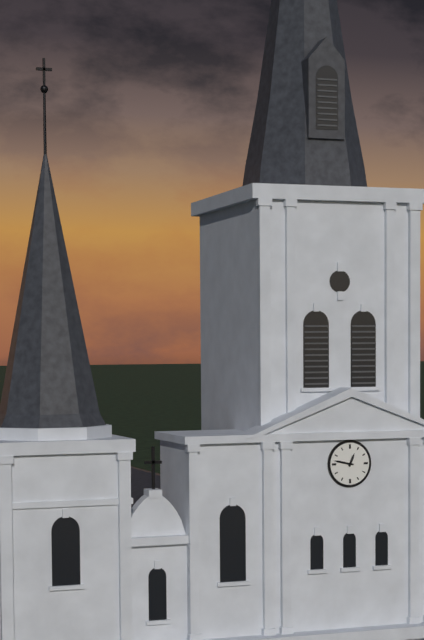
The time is 12:47
